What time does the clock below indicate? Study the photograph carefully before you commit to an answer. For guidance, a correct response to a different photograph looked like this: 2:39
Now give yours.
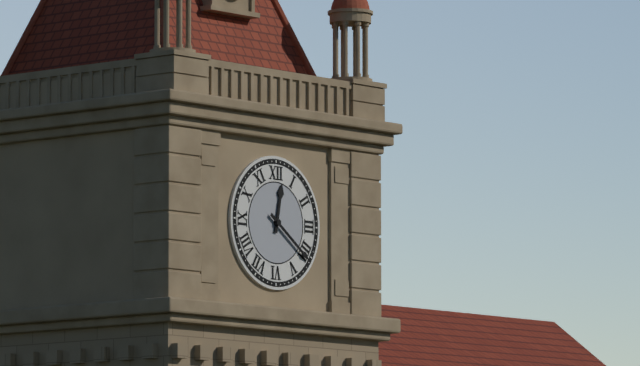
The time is 12:21
